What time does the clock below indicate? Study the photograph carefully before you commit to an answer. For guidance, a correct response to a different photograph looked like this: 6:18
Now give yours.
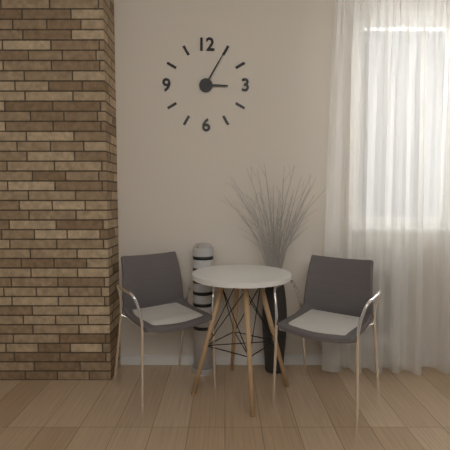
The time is 3:05
